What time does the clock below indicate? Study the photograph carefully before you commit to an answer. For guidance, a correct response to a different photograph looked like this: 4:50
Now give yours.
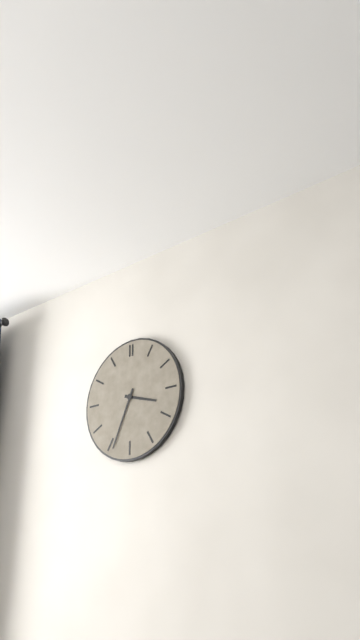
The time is 3:34
